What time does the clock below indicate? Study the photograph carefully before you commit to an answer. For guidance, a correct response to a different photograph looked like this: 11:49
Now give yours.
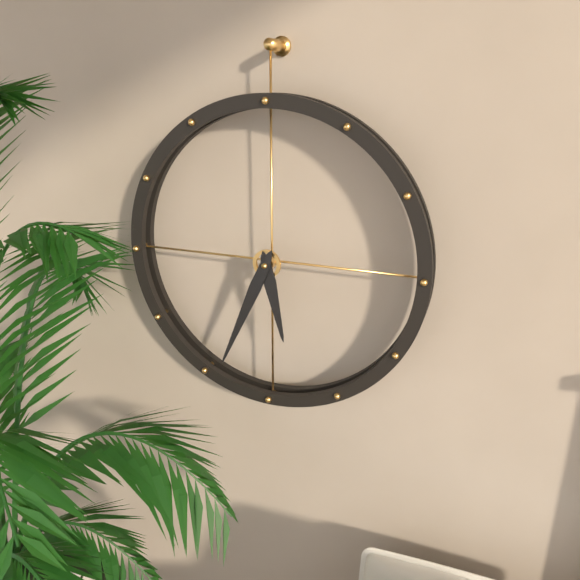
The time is 5:34
